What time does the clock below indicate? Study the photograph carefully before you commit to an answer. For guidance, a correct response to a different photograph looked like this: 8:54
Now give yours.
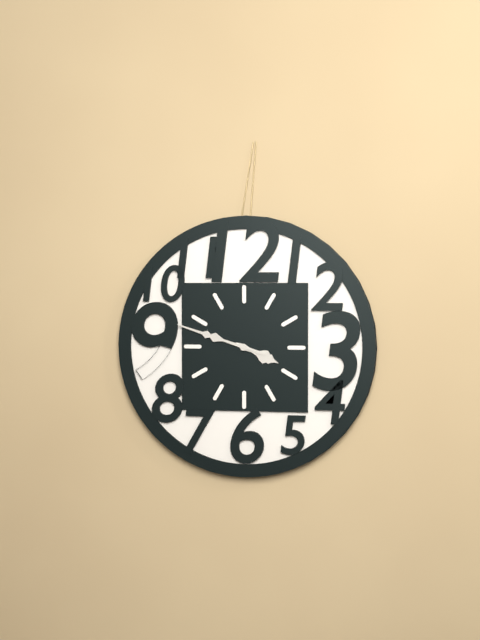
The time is 3:48
